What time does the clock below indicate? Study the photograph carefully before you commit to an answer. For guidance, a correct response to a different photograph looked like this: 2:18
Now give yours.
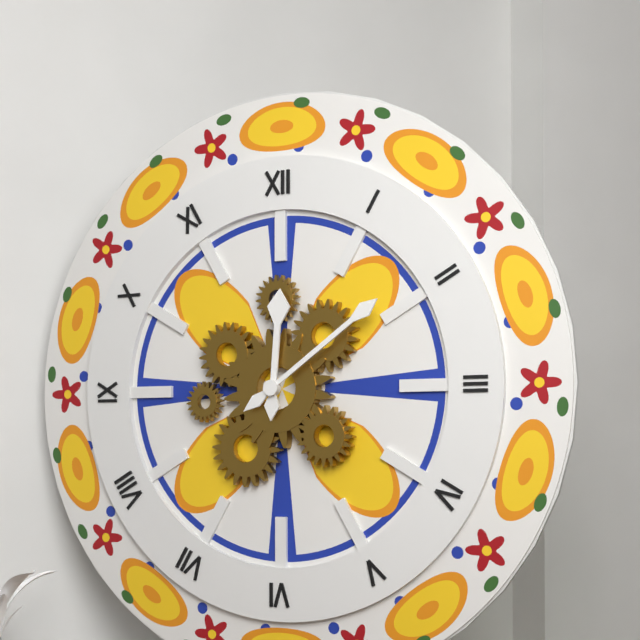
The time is 12:09
